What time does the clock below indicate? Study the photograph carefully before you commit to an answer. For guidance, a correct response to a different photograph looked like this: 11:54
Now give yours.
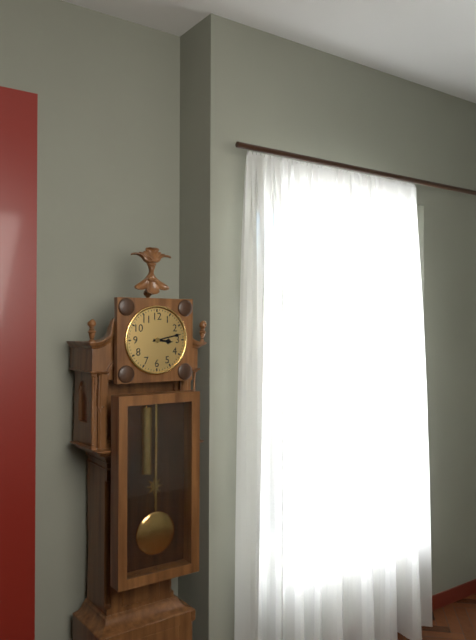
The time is 3:13
